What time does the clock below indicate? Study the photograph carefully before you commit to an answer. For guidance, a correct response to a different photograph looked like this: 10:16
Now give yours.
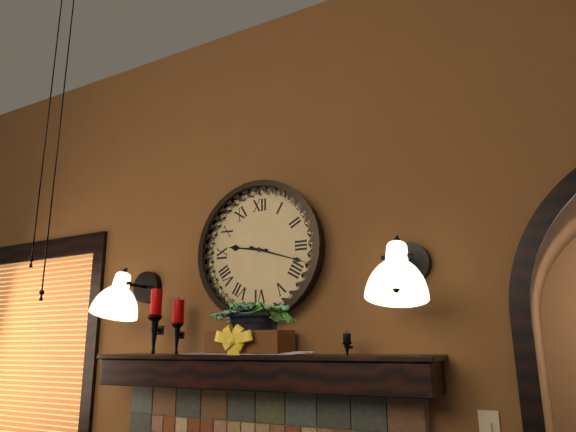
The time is 9:18
